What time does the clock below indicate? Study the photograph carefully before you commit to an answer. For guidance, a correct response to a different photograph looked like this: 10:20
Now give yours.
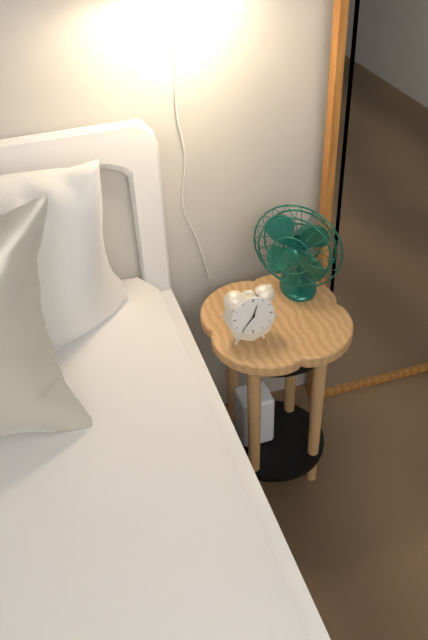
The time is 12:36
